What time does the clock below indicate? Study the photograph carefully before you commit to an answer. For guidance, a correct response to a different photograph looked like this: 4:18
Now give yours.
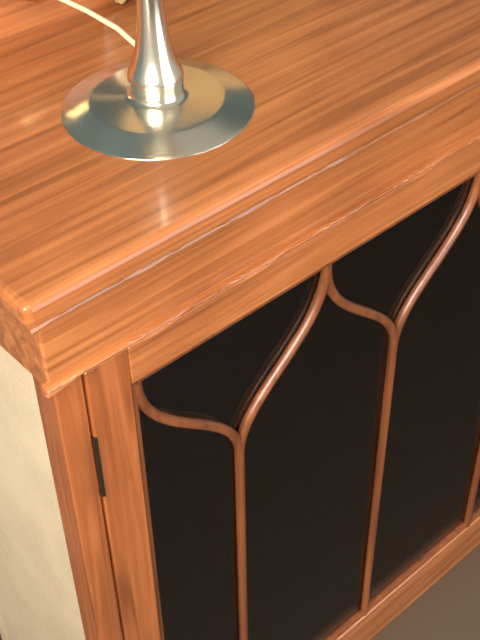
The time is 10:37
